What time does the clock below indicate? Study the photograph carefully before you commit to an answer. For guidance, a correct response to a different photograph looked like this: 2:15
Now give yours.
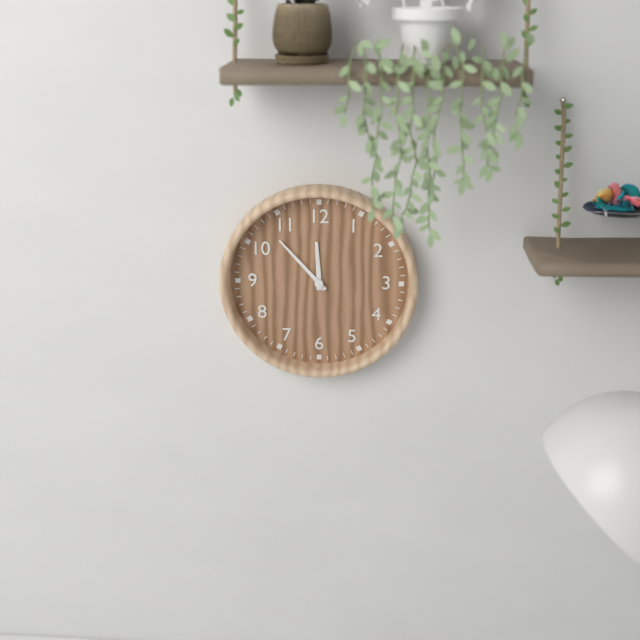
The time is 11:53
